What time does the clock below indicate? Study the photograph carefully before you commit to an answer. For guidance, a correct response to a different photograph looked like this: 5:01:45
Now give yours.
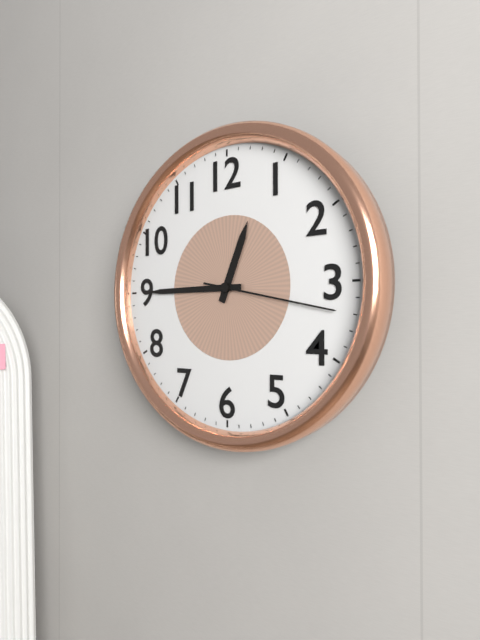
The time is 12:45:17
